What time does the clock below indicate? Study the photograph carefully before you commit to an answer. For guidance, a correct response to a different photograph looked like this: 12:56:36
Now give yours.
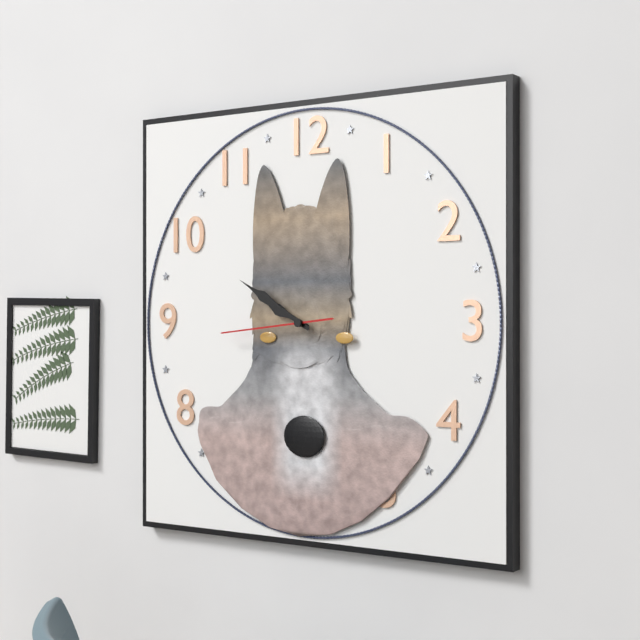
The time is 9:50:44
